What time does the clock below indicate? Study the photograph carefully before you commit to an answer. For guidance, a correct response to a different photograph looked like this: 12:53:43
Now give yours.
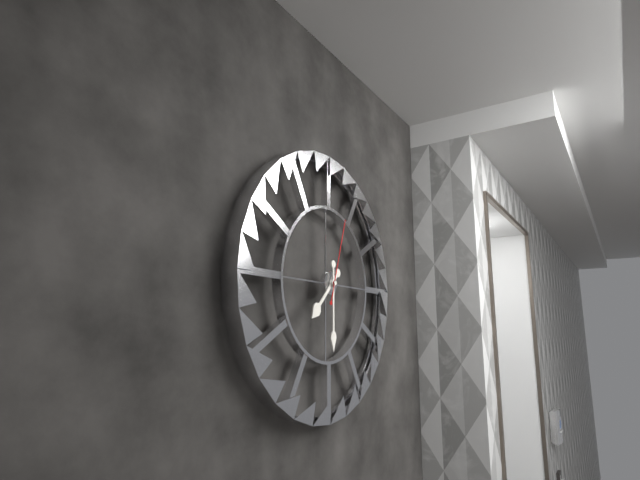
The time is 7:30:03
